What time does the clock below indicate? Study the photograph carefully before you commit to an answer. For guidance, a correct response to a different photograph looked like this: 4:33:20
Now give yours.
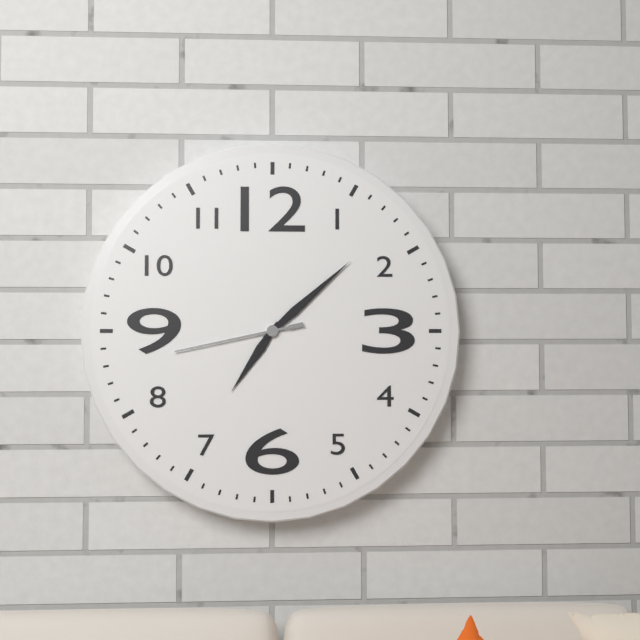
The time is 7:08:43
